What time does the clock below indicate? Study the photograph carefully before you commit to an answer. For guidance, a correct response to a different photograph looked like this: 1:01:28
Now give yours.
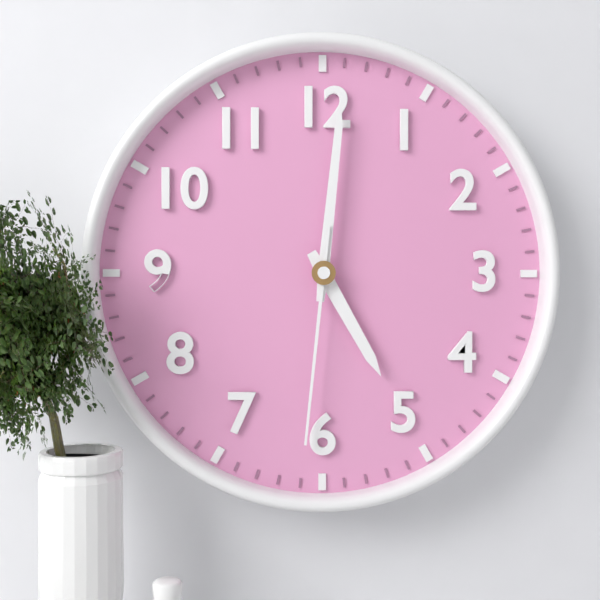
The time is 5:01:31
